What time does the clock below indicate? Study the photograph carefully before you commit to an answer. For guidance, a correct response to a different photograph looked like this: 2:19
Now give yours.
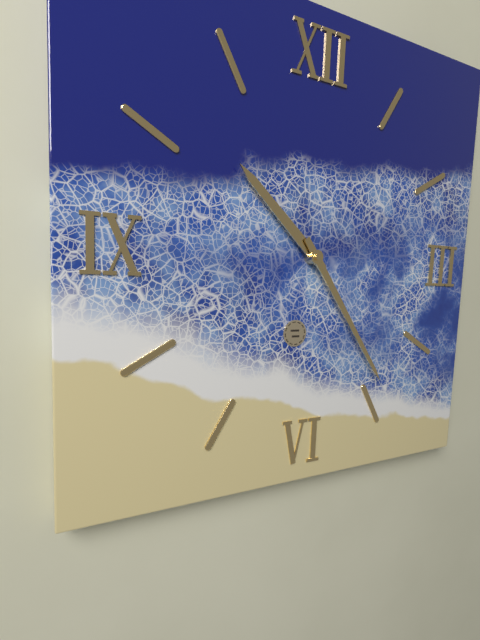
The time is 10:24
